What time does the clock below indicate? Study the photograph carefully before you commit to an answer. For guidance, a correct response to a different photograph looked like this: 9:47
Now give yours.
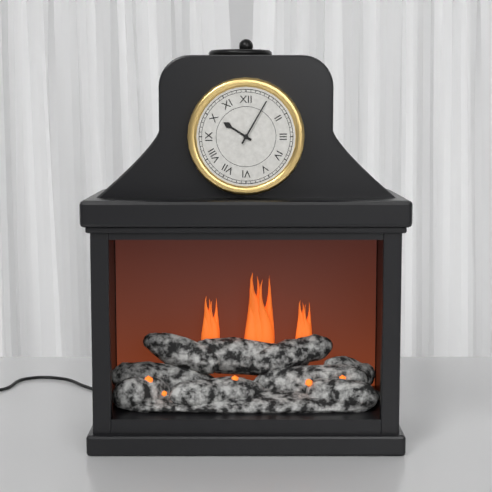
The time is 10:05
